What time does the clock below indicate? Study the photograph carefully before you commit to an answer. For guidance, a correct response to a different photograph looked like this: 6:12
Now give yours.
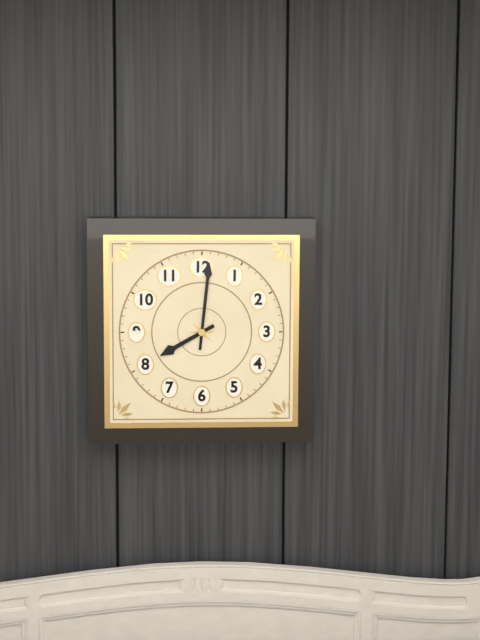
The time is 8:01
